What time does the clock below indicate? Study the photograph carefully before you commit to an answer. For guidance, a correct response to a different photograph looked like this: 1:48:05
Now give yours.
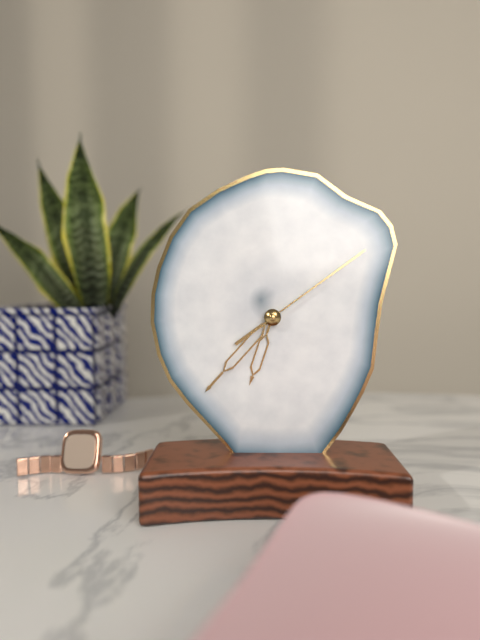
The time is 6:37:09
